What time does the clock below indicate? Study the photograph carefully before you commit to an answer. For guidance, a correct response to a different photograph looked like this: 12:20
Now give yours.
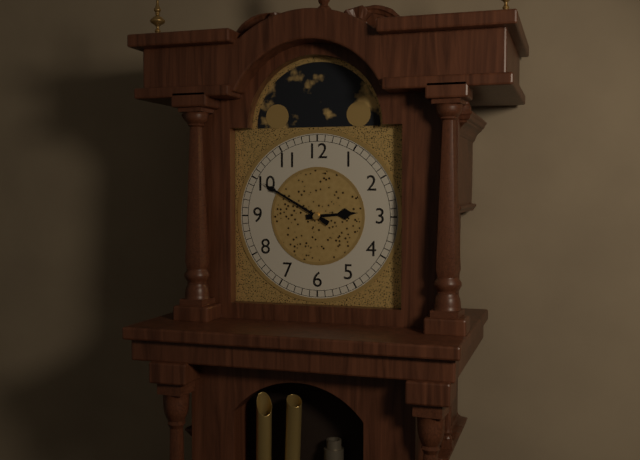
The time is 2:50
